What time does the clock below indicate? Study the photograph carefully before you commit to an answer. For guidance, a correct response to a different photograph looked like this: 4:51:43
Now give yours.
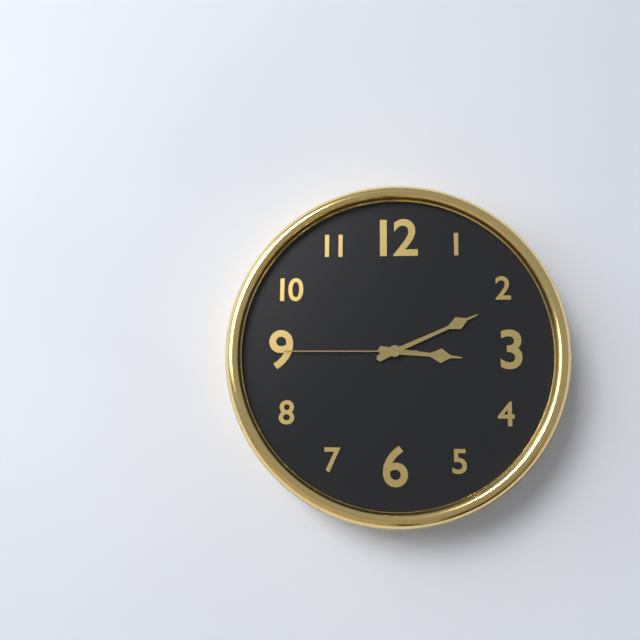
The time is 3:11:45
